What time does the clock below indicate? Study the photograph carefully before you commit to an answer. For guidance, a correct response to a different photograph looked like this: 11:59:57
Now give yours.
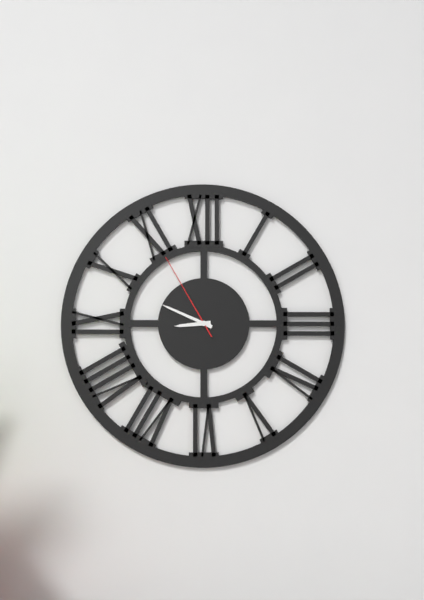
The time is 8:49:55
